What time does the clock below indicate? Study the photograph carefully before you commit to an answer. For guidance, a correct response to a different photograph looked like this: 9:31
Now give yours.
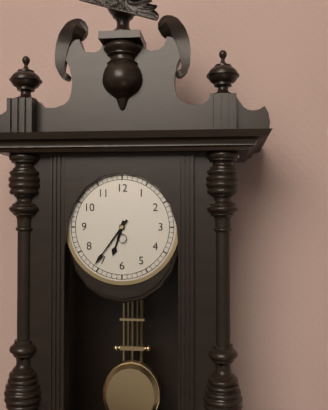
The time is 6:36
